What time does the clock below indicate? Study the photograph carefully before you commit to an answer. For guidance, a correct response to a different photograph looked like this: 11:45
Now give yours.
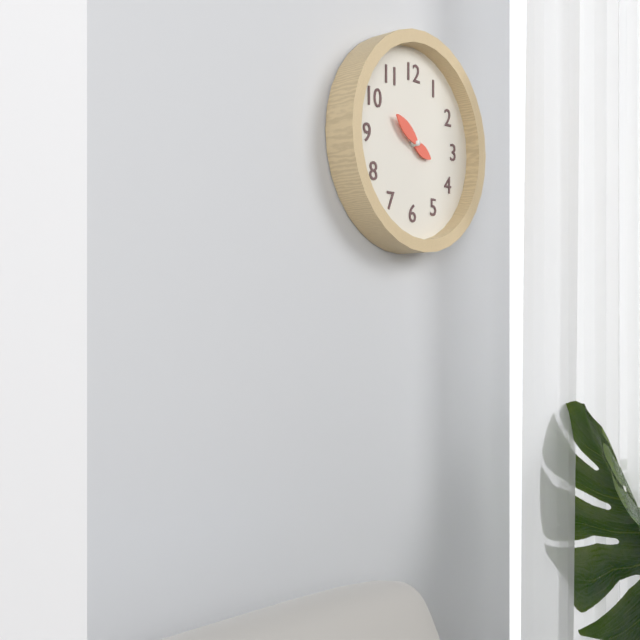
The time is 3:51
